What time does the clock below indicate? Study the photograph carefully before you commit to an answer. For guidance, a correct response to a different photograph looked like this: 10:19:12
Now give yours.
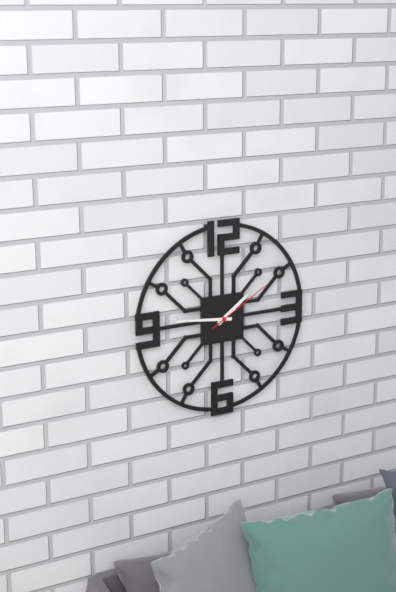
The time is 1:46:10
